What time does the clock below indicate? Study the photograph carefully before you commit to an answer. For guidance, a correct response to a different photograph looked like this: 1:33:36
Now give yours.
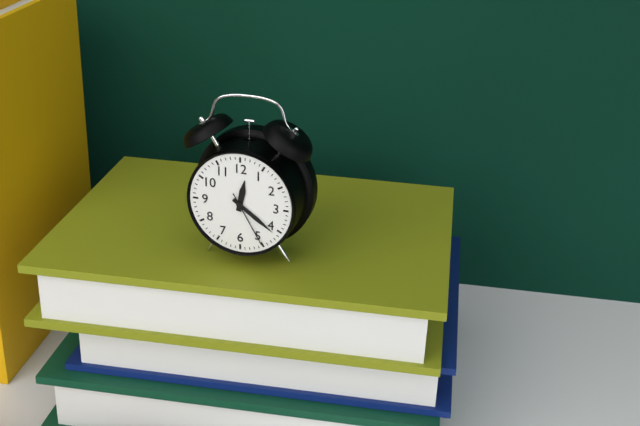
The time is 12:21:25
